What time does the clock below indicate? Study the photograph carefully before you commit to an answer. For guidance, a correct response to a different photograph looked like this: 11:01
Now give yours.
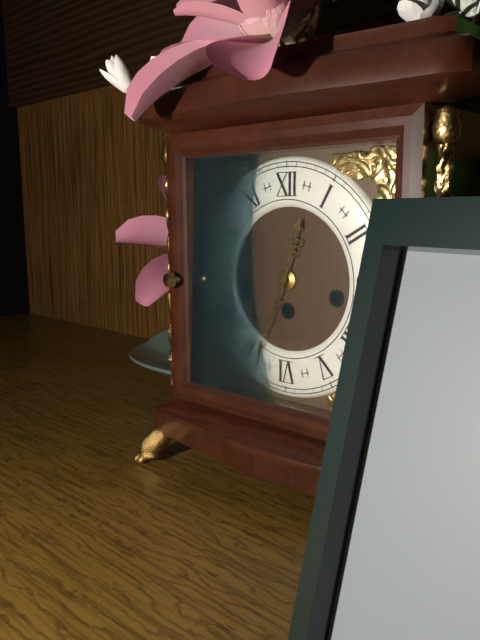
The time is 12:34
